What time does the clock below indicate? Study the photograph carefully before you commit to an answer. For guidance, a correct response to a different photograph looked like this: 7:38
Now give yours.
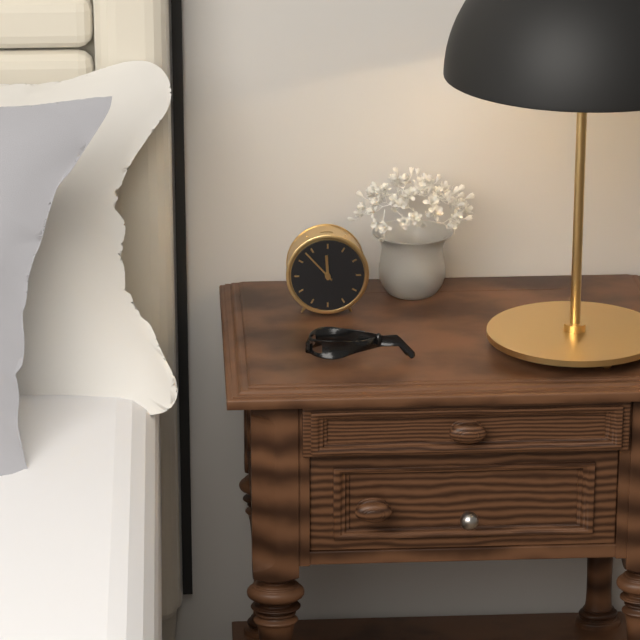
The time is 11:53
